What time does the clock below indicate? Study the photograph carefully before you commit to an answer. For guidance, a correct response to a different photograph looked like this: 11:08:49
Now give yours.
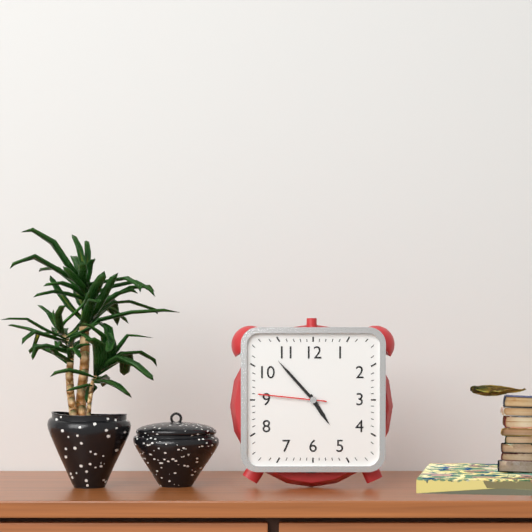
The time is 4:53:46
